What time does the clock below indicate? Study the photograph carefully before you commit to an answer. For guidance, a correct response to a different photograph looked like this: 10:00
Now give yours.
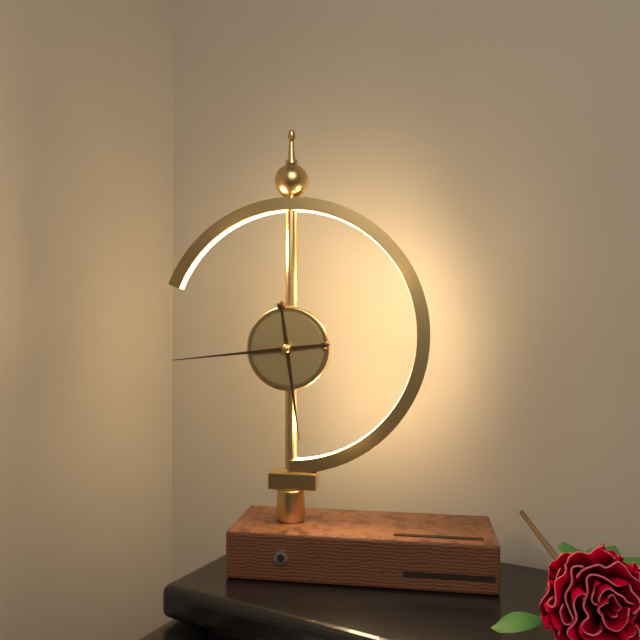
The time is 5:44
